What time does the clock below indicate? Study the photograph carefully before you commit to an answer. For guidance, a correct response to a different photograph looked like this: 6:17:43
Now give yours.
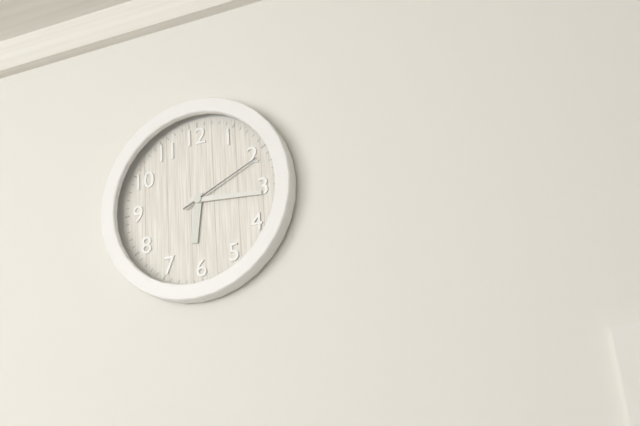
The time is 6:16:11
